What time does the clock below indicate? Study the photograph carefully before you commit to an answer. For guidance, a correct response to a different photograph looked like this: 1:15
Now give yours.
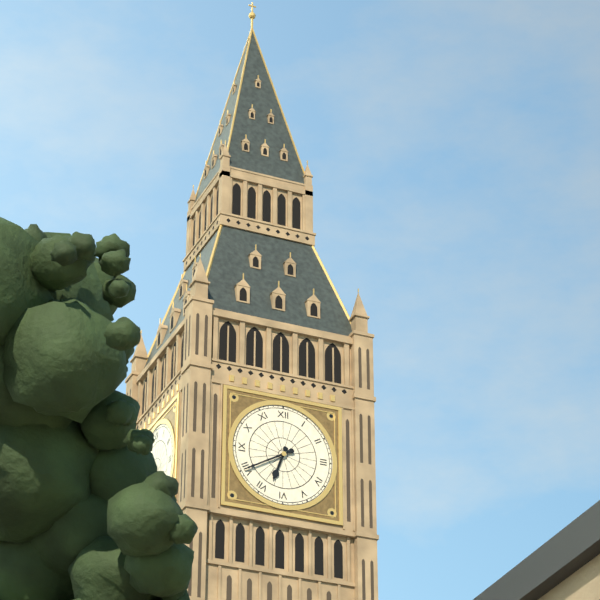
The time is 6:40
